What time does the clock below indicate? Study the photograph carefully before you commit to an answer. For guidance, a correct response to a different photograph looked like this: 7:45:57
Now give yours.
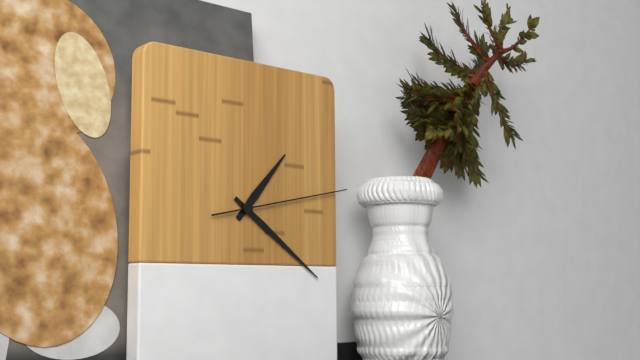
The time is 1:21:13
